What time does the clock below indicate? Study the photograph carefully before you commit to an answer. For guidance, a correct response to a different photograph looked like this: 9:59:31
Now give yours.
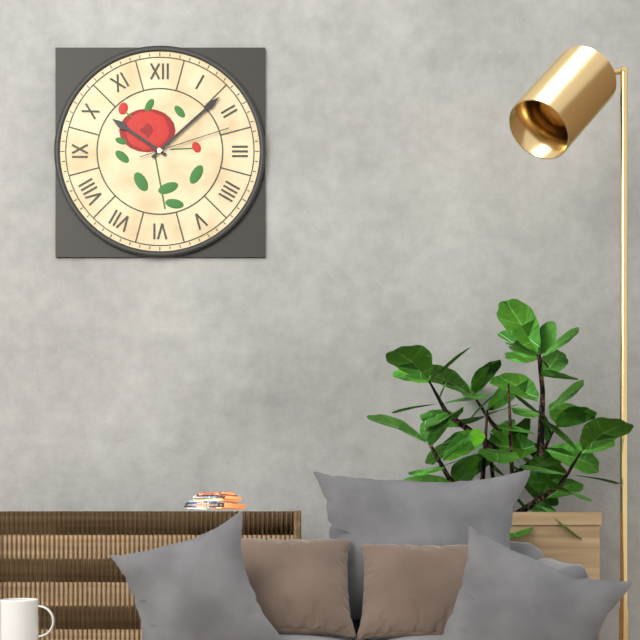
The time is 10:08:12
